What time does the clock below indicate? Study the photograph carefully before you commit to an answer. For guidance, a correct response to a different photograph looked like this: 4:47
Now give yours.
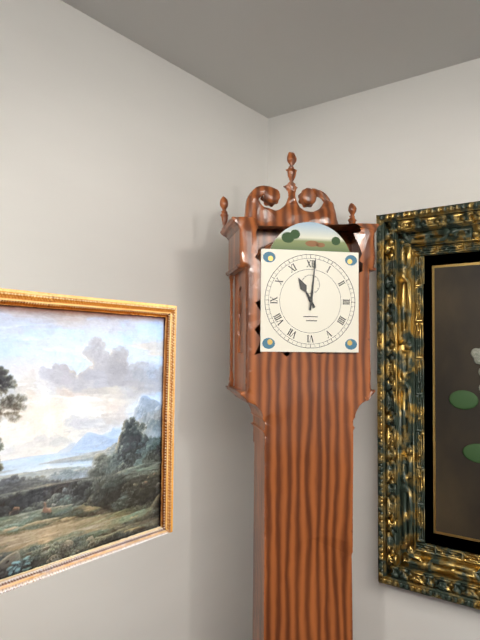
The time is 11:01
